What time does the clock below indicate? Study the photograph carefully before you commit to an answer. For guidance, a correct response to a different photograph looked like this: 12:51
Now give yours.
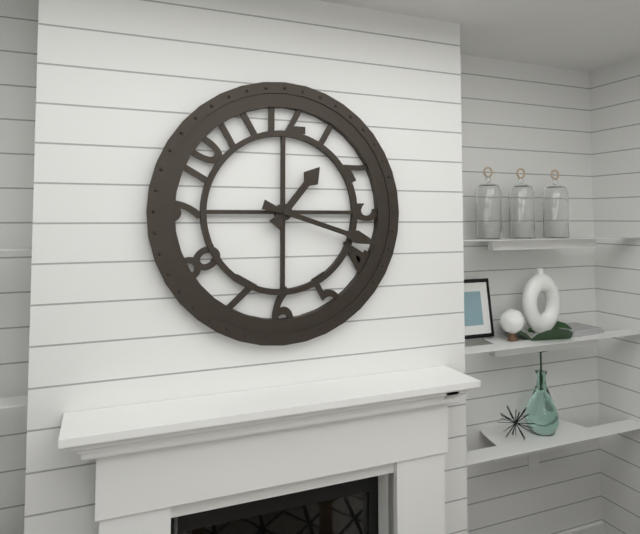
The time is 1:18
